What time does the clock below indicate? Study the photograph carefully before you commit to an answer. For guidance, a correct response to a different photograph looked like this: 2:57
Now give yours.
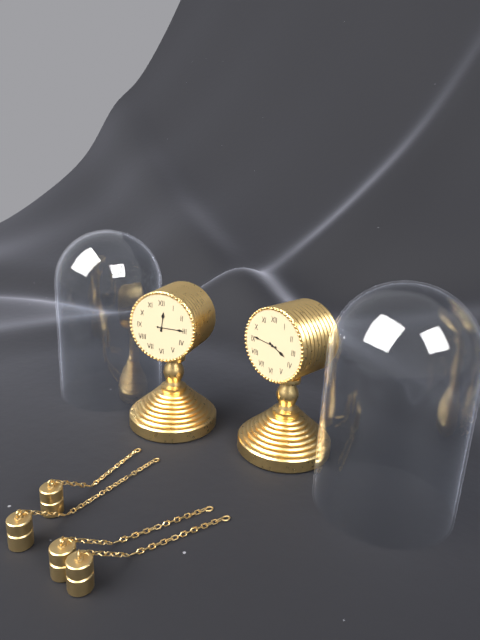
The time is 12:15
